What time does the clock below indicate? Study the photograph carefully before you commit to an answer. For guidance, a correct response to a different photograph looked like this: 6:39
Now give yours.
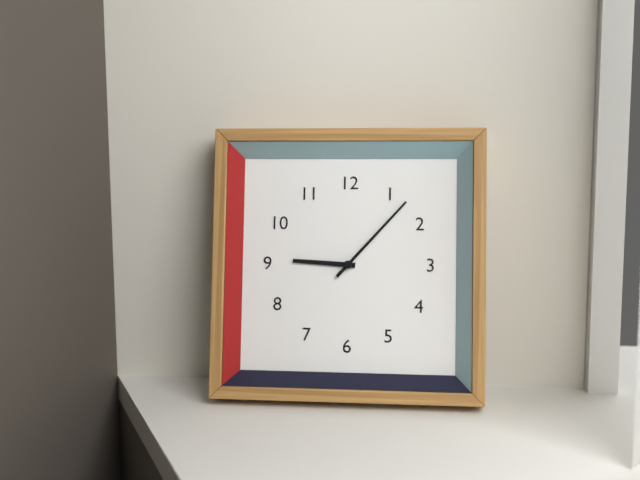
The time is 9:07
